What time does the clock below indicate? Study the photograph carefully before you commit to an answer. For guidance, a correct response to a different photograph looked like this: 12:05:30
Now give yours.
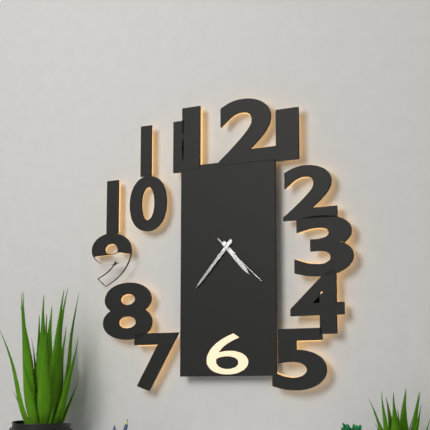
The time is 4:37:22
